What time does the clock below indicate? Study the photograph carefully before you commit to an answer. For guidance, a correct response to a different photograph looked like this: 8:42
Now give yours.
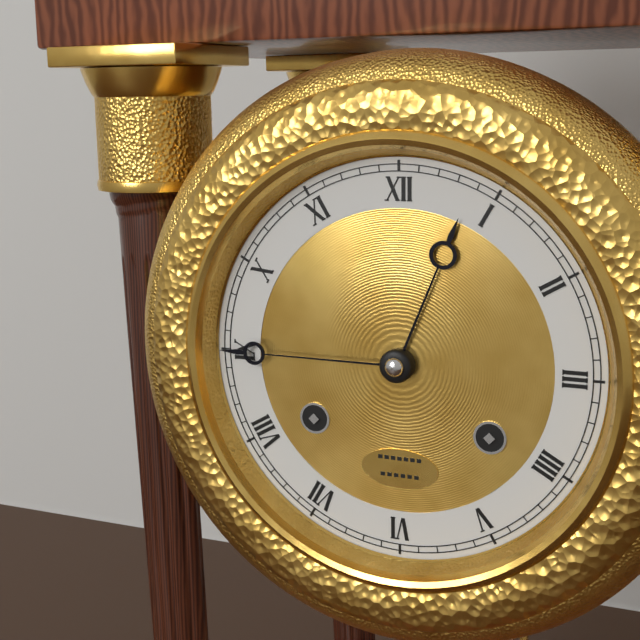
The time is 12:45
